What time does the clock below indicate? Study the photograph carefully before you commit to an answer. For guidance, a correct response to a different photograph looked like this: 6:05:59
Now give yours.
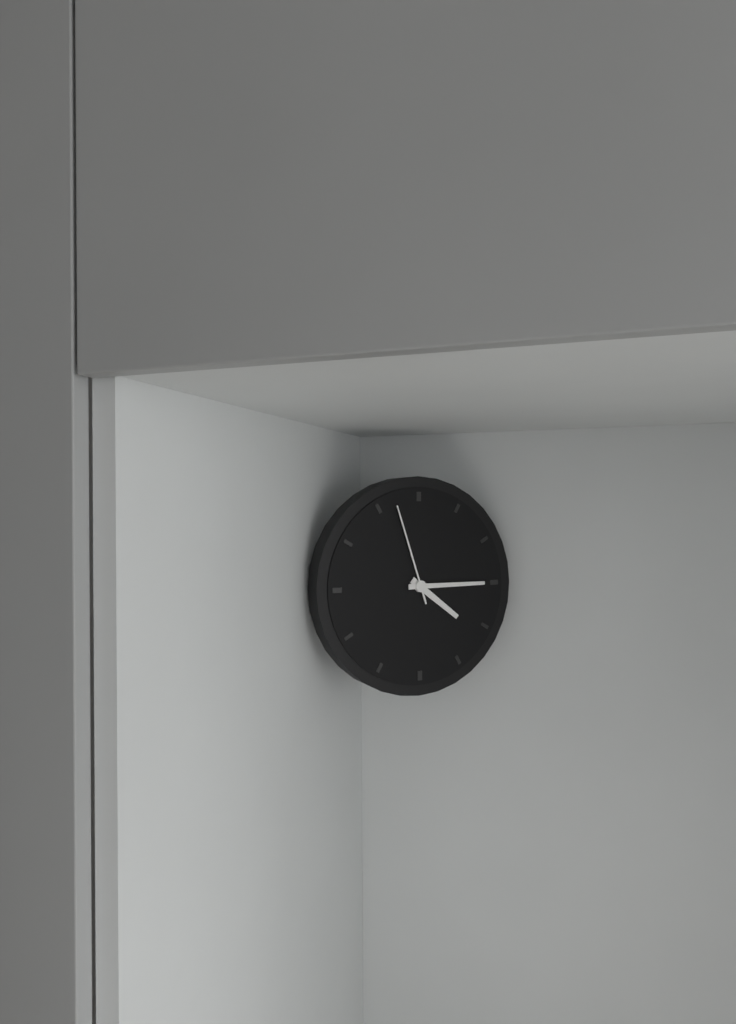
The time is 4:15:57
